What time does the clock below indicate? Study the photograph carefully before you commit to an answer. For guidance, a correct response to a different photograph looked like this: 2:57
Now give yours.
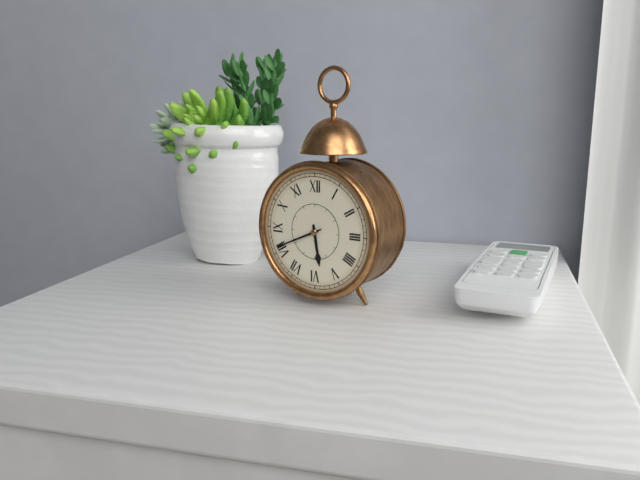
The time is 5:41
